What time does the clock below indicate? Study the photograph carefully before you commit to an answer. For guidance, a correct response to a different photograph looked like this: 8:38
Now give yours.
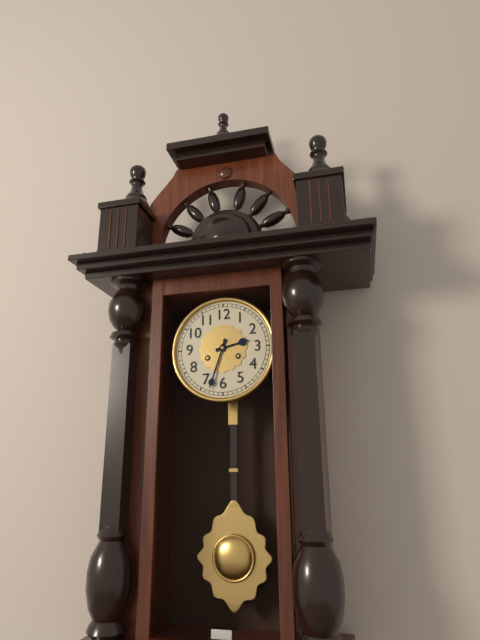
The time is 2:33
